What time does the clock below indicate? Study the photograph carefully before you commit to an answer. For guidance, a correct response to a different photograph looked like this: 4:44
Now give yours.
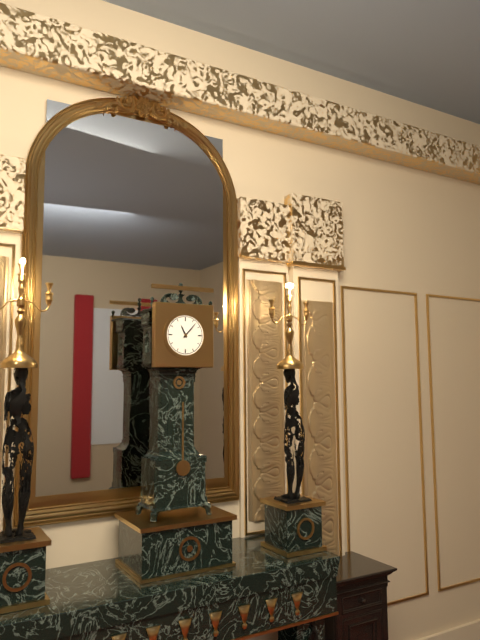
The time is 11:07
